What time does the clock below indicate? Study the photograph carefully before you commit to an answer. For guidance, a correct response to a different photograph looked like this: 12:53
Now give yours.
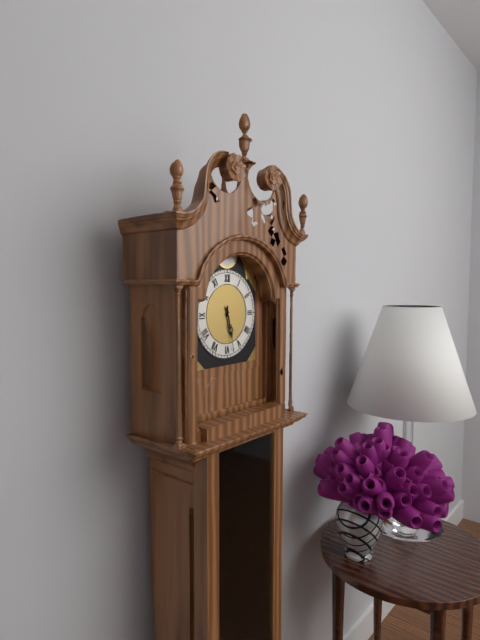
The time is 5:28
